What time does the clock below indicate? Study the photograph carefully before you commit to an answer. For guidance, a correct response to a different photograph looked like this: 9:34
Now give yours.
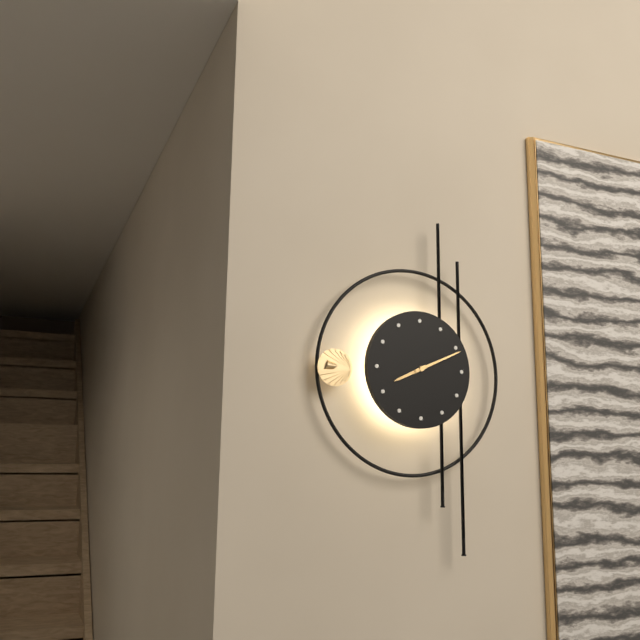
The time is 8:11
